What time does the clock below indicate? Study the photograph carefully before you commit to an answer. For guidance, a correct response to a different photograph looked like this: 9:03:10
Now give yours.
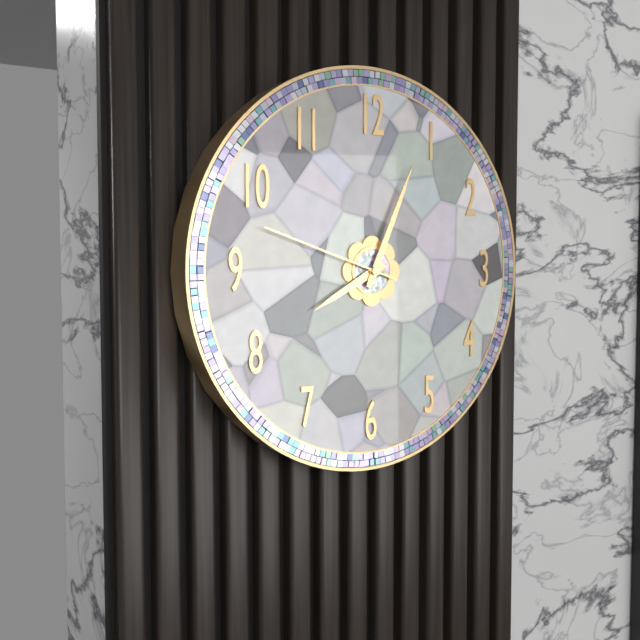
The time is 8:04:48
